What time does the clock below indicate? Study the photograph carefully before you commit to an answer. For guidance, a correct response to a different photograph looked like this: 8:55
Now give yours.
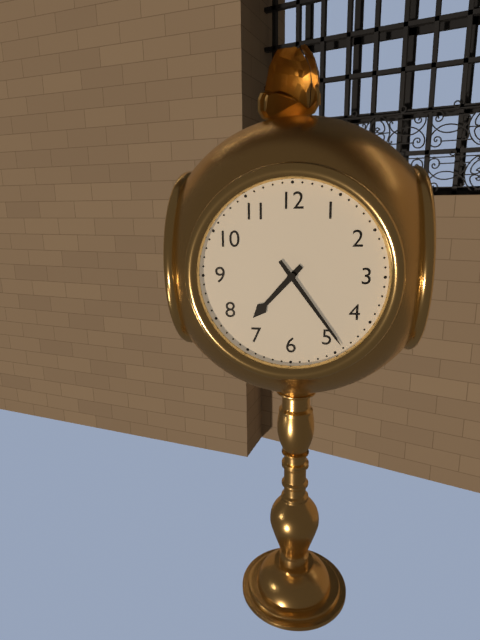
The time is 7:24
